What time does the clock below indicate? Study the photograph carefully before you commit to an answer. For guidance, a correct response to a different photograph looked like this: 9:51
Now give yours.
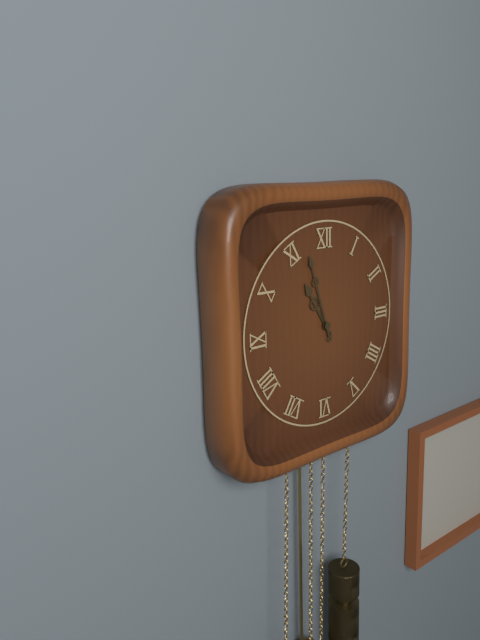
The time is 10:57
